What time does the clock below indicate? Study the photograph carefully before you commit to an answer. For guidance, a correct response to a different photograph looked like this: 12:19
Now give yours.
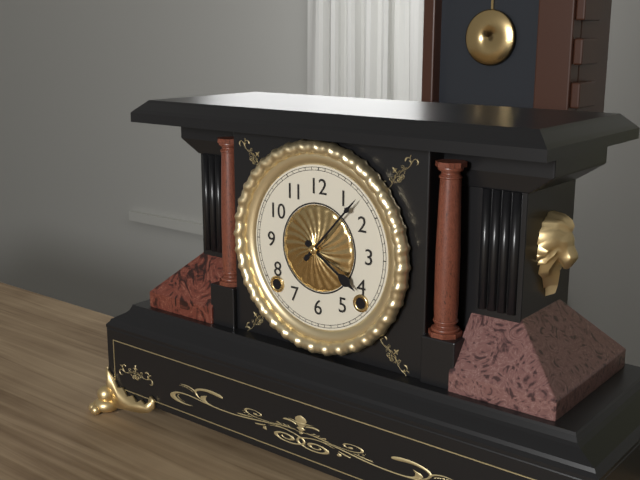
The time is 4:07
